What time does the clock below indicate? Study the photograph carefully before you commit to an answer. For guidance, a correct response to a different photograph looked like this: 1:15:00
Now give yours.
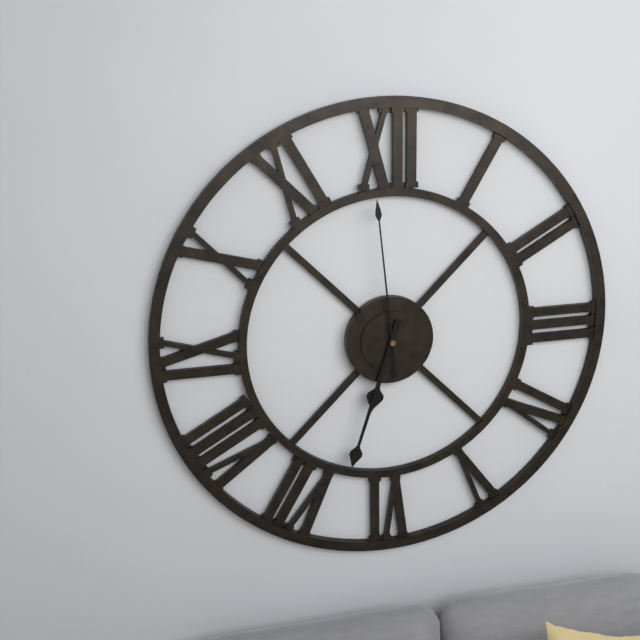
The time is 6:33:59
